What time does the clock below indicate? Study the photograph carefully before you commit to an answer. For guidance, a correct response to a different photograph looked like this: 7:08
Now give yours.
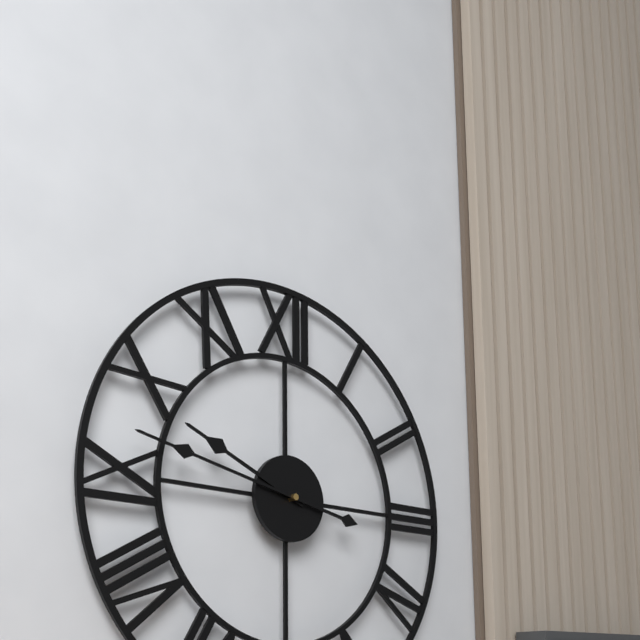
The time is 9:47
